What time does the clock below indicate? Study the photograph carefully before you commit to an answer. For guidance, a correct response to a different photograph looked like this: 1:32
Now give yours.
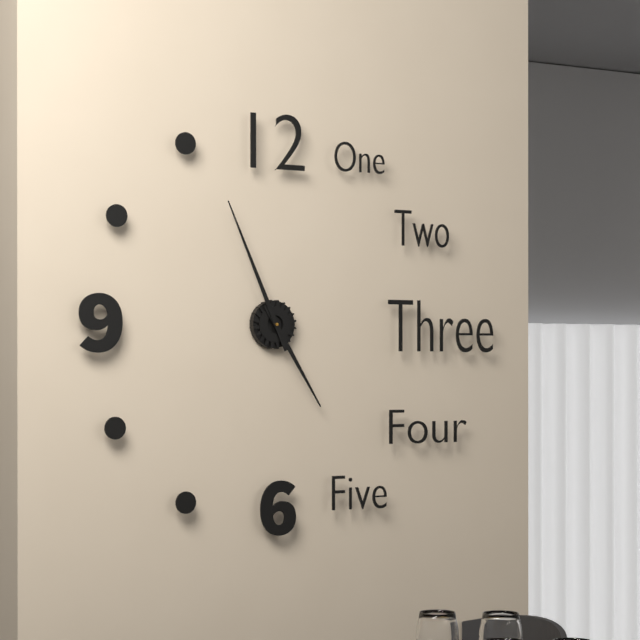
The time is 4:56
